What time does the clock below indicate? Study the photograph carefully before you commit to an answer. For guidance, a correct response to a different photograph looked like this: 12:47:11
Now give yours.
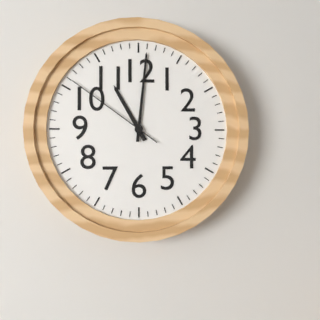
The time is 11:01:51
